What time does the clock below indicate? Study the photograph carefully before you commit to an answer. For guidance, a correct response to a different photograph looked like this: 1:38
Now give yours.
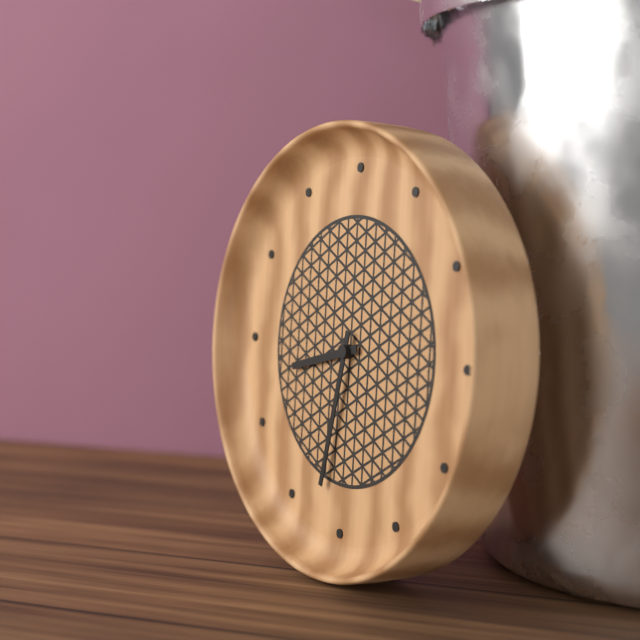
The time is 8:32
